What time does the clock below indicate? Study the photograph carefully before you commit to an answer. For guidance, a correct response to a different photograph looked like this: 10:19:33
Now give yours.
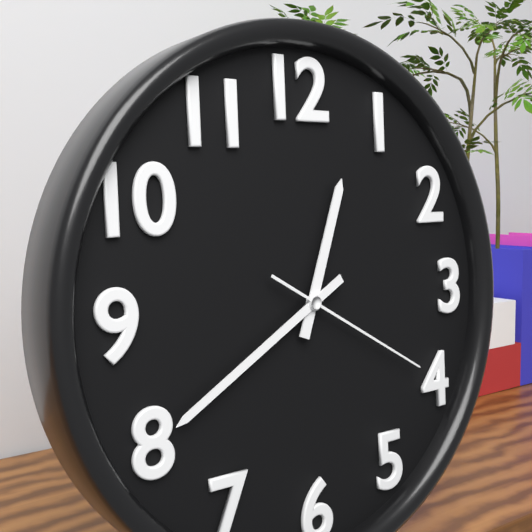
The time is 12:40:20
